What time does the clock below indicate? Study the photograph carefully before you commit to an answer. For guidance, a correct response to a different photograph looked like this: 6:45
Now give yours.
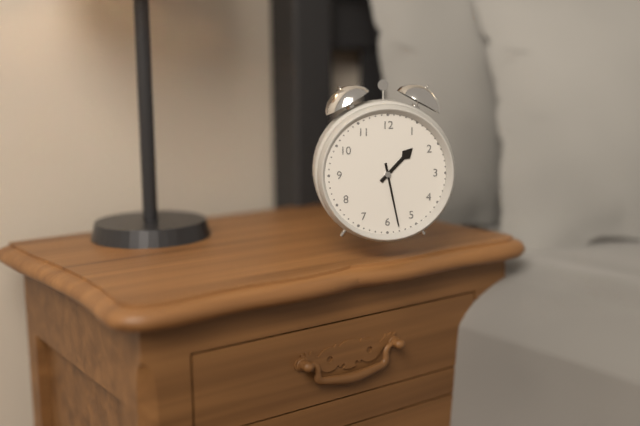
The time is 1:28
